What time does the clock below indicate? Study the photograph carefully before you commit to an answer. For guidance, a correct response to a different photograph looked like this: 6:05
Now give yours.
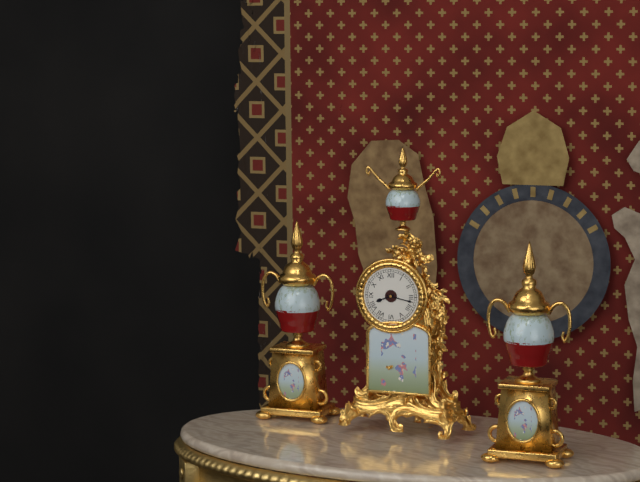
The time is 8:17
